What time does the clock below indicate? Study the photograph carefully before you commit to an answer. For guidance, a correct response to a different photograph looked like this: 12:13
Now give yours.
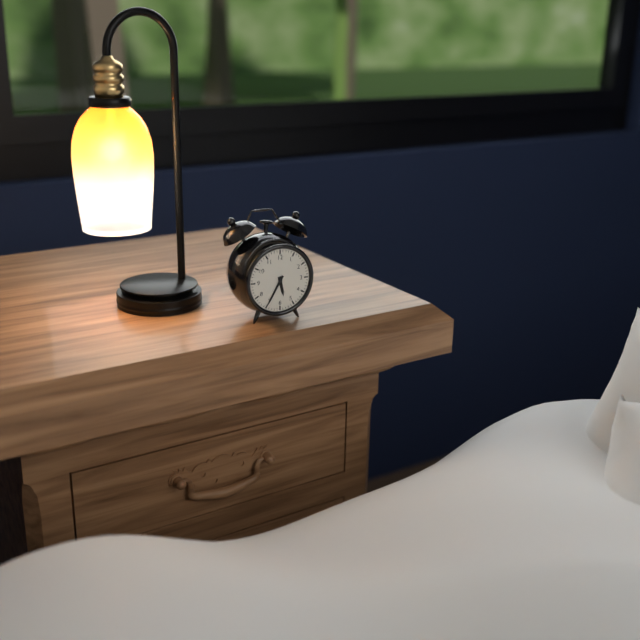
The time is 5:35
